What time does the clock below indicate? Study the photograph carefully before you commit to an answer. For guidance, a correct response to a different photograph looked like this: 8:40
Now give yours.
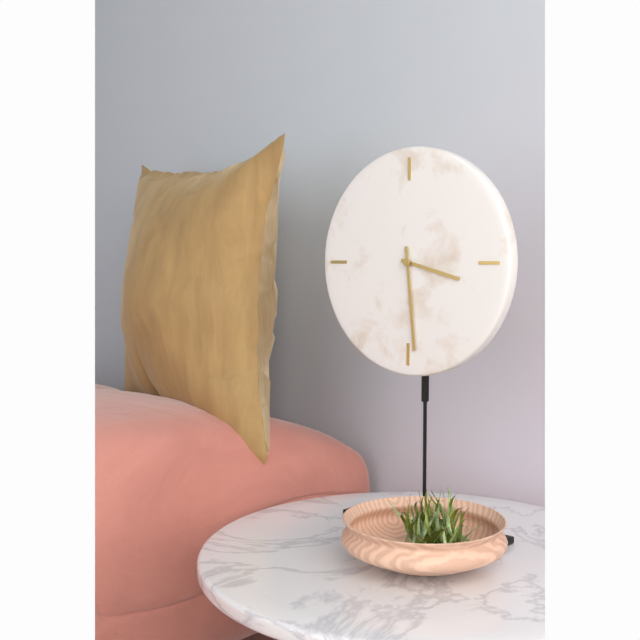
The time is 3:29
